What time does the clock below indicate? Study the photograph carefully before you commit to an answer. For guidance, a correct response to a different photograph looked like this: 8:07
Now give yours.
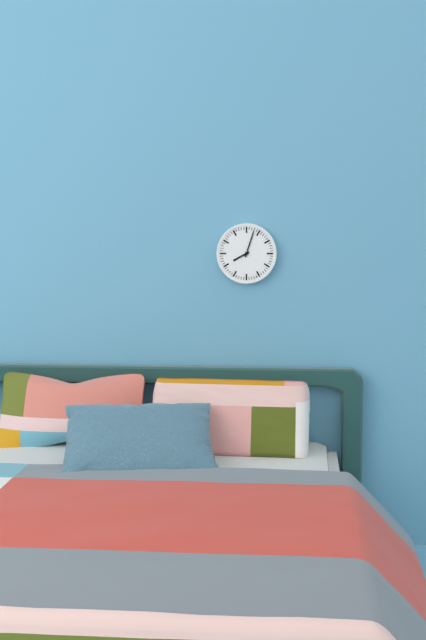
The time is 8:03
